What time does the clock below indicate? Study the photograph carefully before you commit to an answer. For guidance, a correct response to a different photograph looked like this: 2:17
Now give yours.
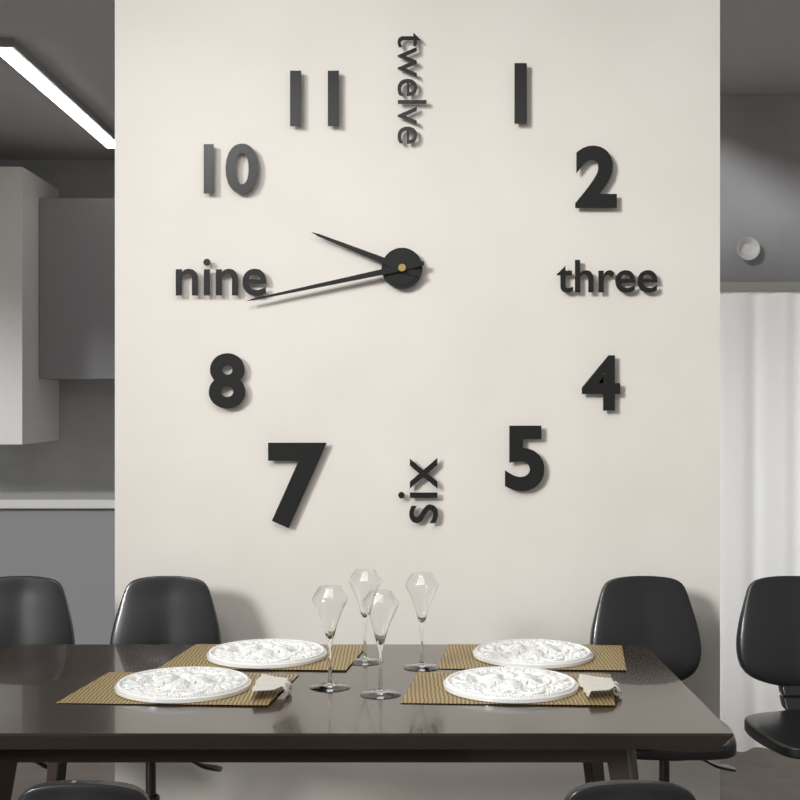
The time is 9:43
